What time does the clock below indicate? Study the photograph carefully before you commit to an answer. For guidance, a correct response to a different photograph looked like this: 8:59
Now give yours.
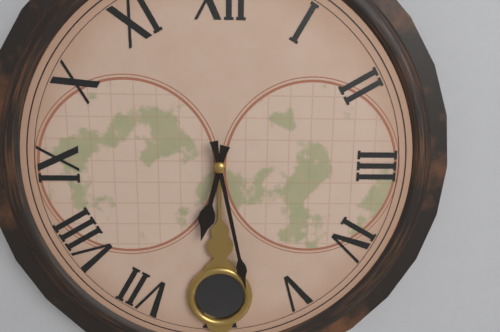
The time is 6:28
